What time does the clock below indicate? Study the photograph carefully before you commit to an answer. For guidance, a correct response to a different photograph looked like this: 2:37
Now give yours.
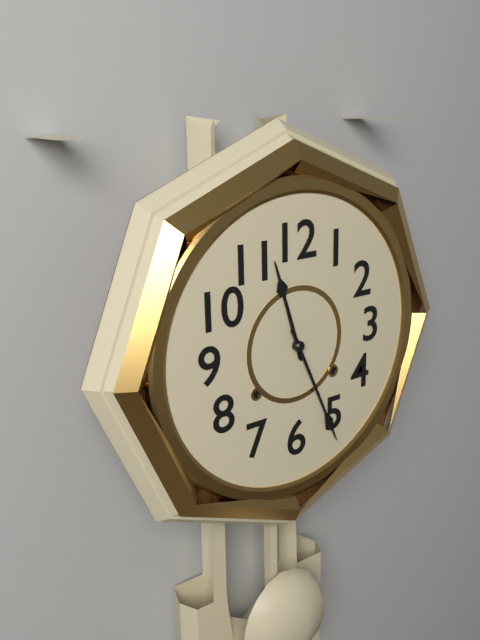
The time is 11:26
